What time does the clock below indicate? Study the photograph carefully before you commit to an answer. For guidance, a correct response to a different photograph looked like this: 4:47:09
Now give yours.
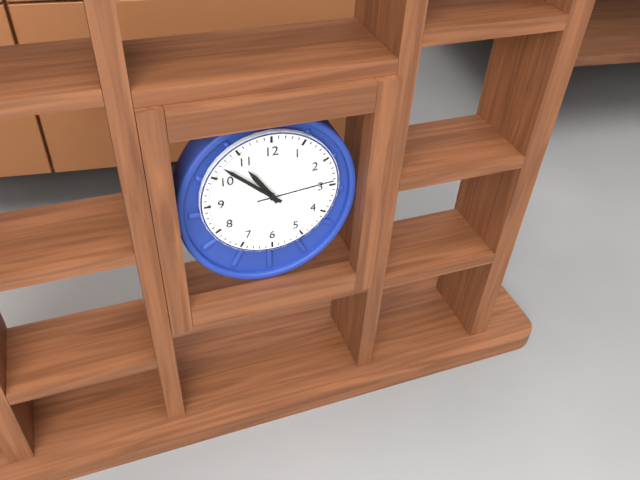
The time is 10:52:14
